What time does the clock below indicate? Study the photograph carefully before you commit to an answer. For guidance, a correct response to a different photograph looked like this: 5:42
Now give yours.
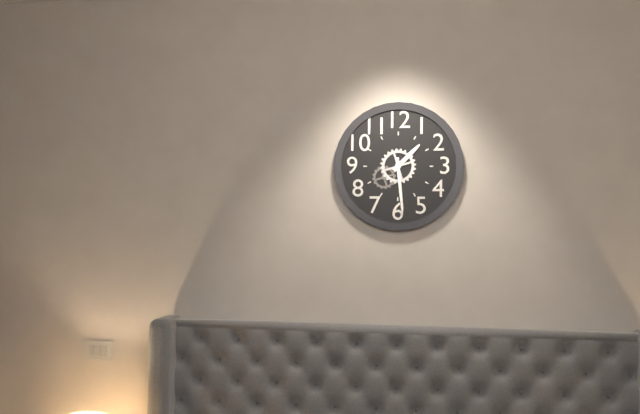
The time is 1:29
